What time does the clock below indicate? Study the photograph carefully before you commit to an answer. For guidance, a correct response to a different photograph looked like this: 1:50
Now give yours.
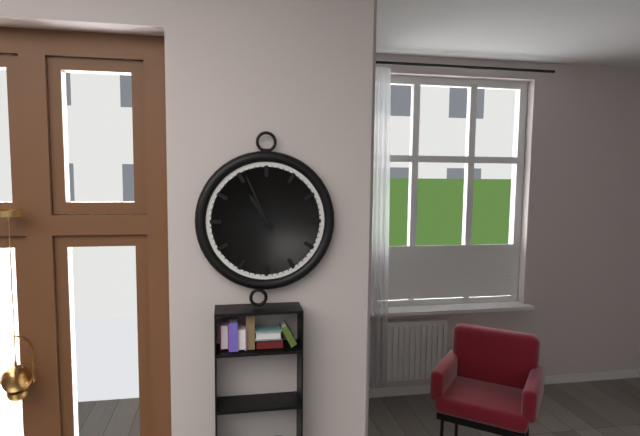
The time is 10:56
